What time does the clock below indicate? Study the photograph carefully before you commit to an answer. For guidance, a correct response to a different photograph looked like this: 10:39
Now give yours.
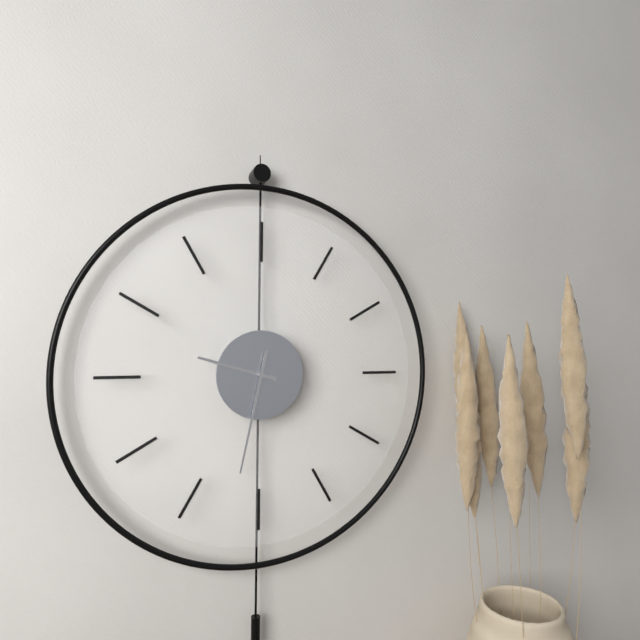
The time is 9:32
